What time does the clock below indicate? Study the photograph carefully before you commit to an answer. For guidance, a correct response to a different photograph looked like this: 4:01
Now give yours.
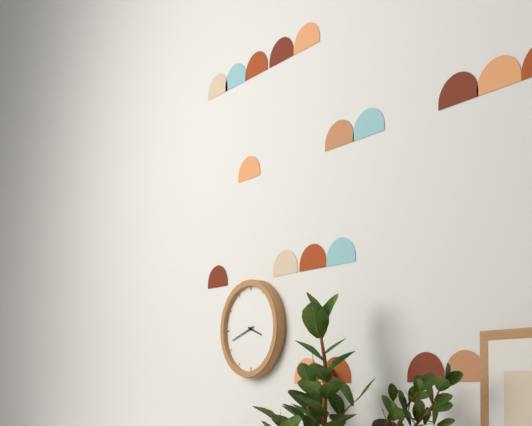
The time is 3:42
